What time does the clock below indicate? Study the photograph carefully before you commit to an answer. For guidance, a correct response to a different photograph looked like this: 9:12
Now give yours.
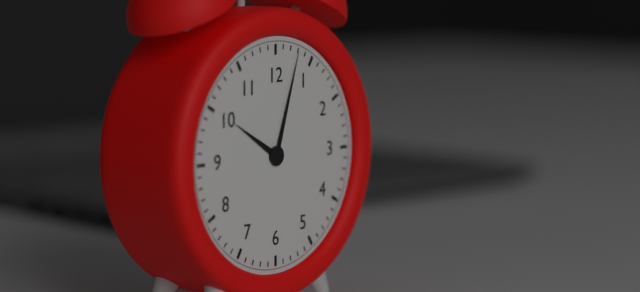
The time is 10:03
